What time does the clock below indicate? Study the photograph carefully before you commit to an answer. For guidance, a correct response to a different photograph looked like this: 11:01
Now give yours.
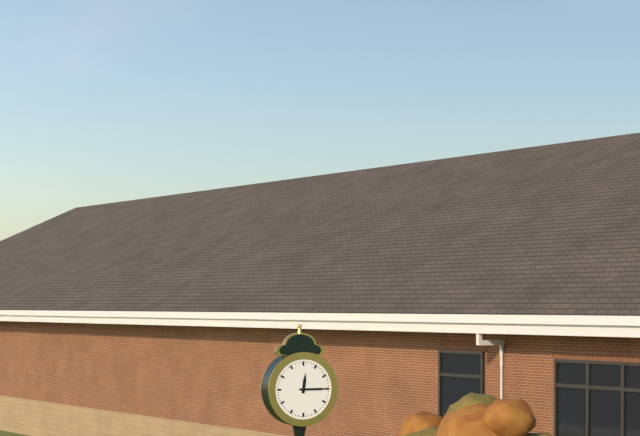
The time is 12:15
